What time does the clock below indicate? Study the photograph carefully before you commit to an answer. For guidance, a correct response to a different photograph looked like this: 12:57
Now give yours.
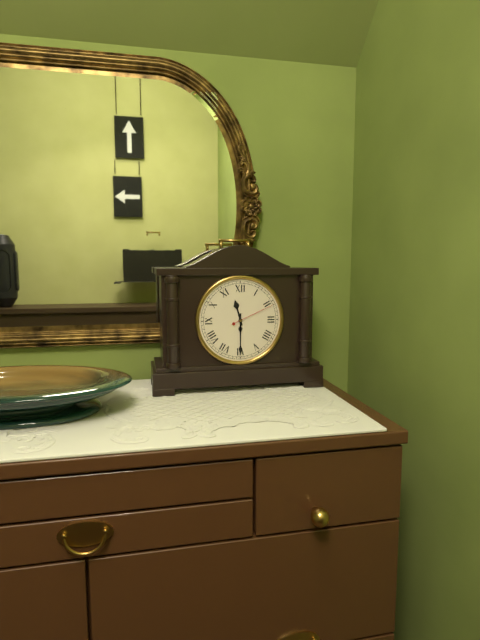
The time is 11:30
